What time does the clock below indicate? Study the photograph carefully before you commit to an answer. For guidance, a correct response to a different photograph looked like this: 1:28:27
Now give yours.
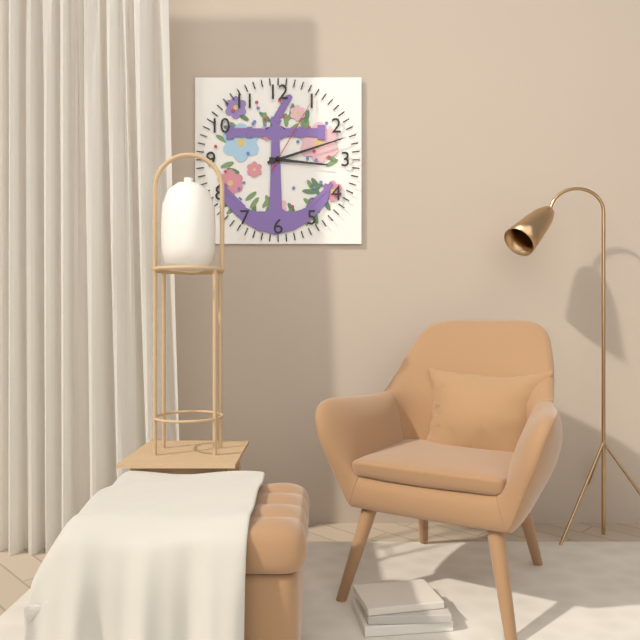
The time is 3:12:05
